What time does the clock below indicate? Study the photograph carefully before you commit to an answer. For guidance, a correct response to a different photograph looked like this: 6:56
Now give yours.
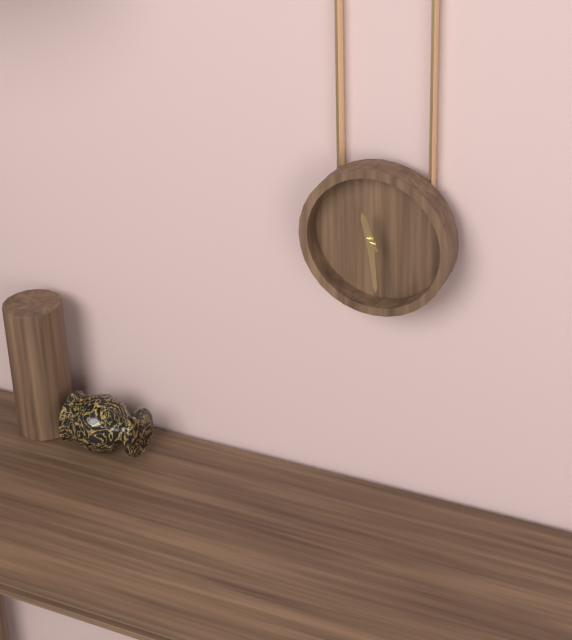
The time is 11:29
